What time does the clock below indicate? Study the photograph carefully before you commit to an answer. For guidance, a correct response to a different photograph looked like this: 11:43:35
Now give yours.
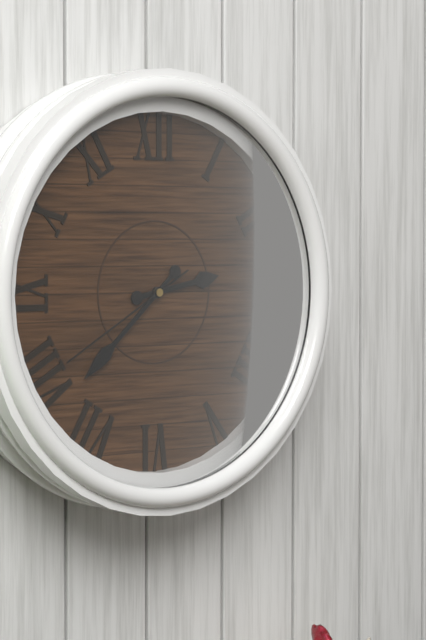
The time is 2:38:40
